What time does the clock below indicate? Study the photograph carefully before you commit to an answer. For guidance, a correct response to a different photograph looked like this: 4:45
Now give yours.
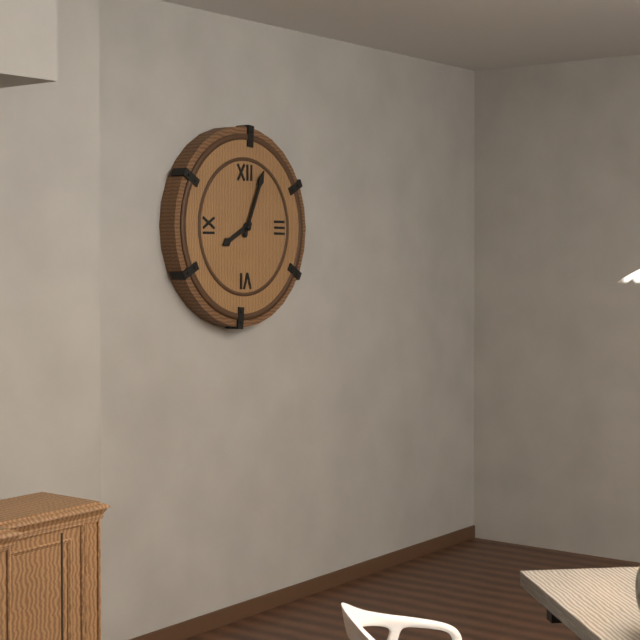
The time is 8:04
